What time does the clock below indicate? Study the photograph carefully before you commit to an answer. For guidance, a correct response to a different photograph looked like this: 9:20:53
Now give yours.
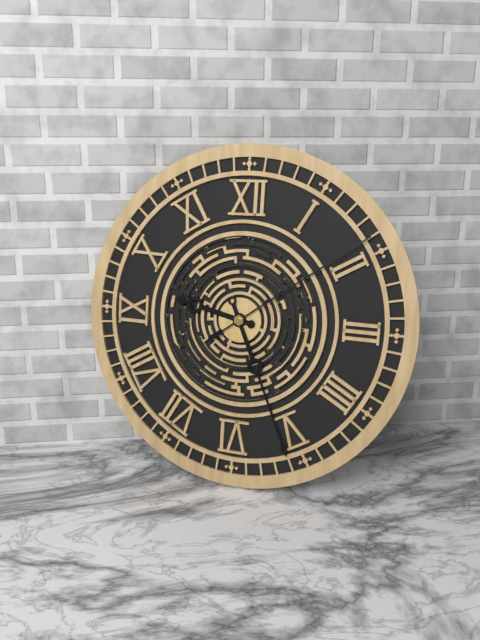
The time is 9:26:09
